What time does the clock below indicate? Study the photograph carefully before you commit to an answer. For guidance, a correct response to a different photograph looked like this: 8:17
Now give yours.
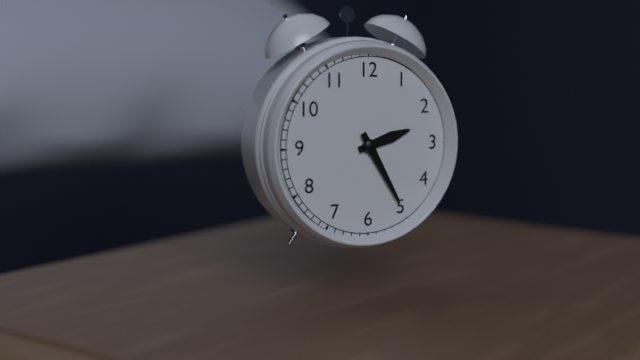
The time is 2:25
